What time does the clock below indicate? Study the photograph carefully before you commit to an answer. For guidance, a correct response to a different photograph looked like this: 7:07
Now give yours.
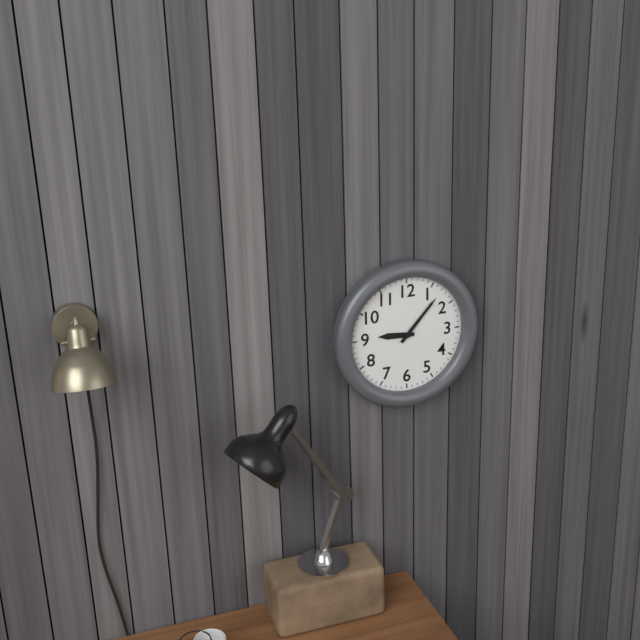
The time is 9:07
